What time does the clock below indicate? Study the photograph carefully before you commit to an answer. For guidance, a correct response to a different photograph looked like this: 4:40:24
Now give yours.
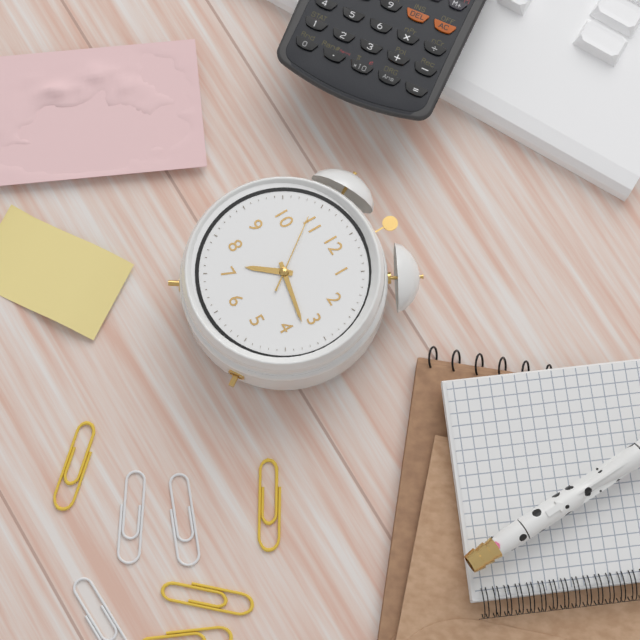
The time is 7:17:54
